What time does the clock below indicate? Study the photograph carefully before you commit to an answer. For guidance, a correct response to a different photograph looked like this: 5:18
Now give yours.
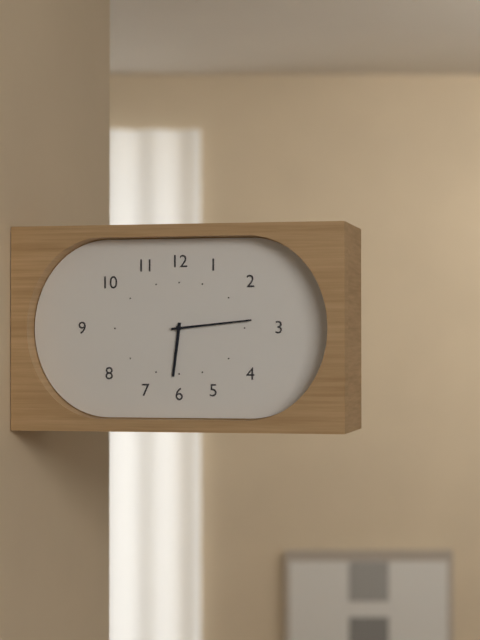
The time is 6:14
